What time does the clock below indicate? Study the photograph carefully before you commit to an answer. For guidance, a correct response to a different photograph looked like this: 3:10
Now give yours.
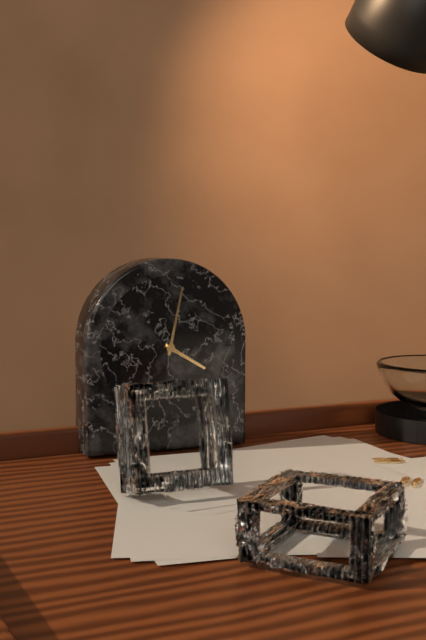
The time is 4:02
